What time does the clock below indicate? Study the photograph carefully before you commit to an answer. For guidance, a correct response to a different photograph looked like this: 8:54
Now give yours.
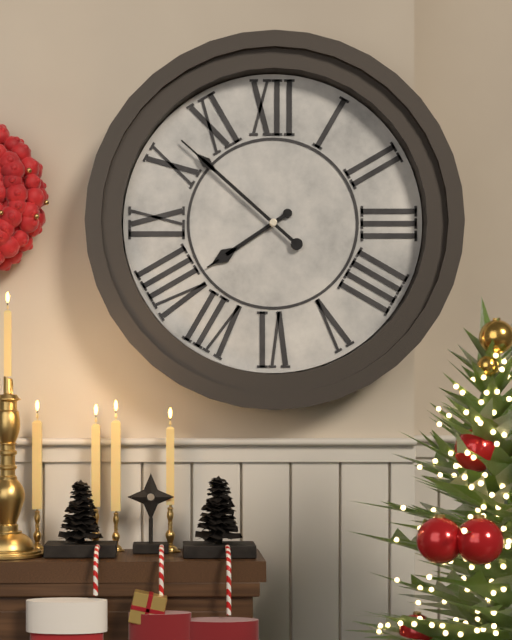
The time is 7:52
